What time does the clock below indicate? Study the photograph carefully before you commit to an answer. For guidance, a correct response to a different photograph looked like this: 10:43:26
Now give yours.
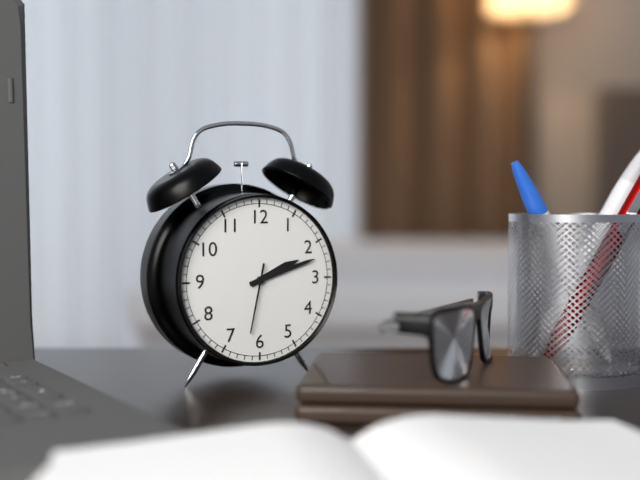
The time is 2:12:32
